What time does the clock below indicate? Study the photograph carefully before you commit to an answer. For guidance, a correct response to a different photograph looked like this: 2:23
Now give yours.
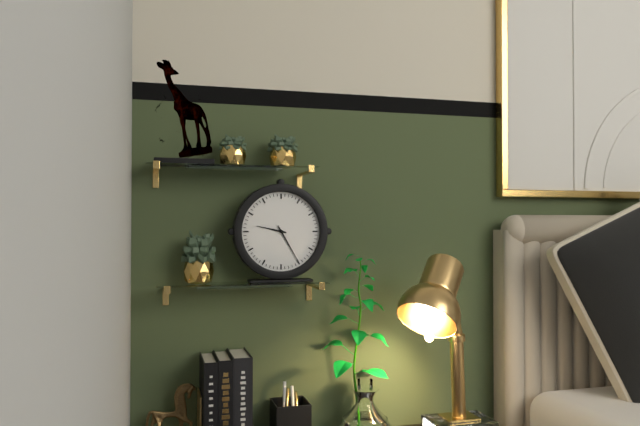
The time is 9:25
